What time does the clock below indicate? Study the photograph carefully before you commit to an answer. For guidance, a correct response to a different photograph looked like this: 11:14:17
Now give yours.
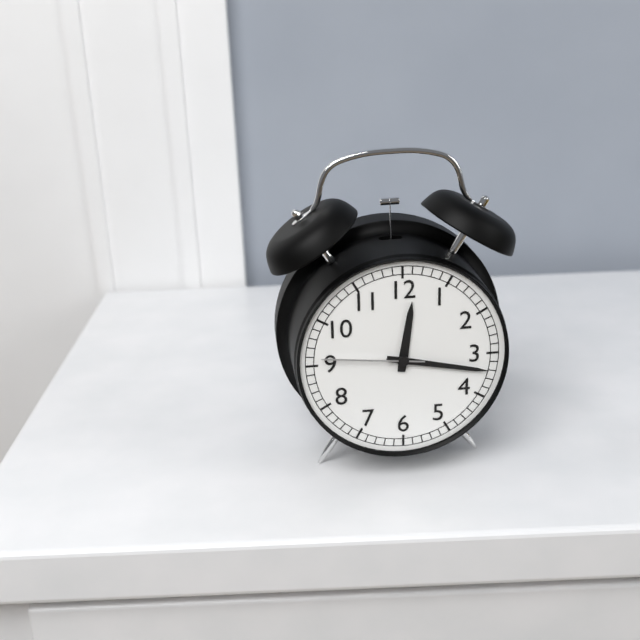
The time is 12:17:46
